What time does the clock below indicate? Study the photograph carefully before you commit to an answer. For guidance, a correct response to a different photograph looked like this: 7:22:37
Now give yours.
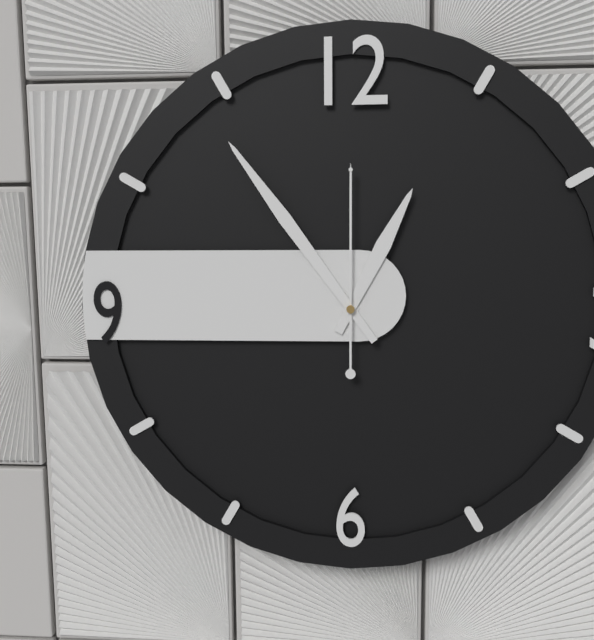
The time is 12:54:00
